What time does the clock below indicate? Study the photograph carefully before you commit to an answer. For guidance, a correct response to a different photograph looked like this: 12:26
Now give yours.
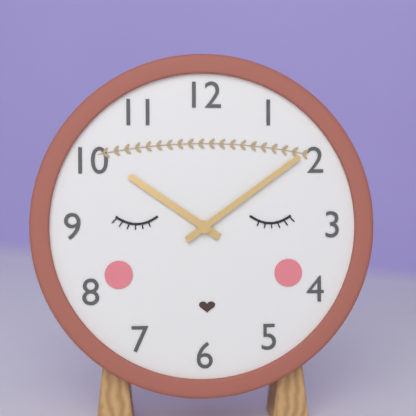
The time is 10:09
